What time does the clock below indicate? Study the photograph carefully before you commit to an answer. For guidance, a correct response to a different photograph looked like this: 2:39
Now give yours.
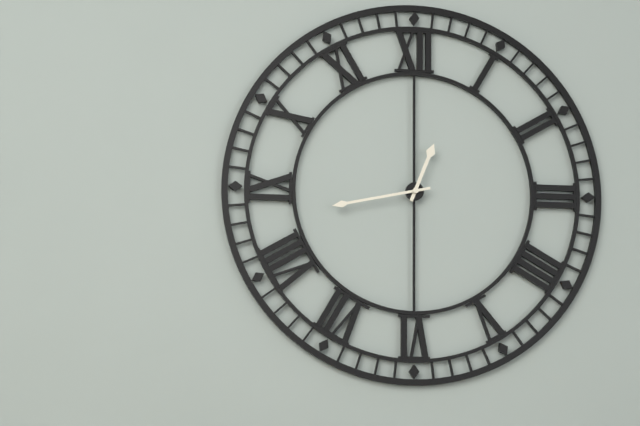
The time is 12:43
